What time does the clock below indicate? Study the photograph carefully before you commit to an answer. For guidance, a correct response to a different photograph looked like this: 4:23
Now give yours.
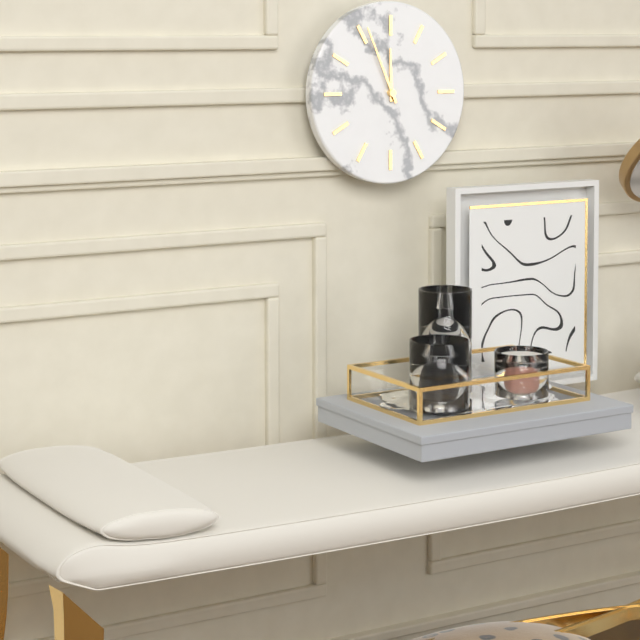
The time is 11:56
